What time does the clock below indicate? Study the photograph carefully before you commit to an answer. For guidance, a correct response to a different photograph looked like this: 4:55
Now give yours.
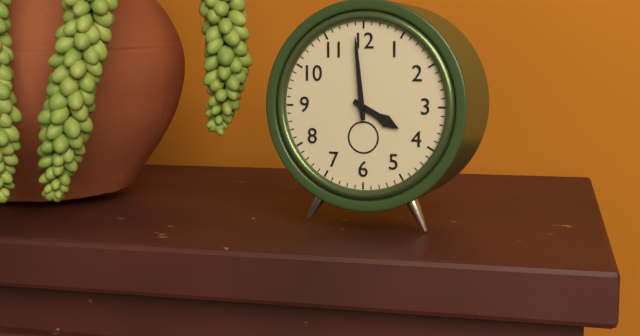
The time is 3:59
